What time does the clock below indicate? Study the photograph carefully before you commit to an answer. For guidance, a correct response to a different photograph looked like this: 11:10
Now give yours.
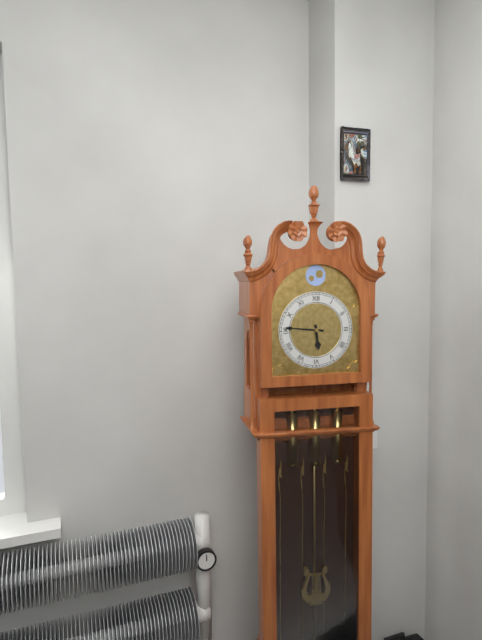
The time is 5:46
